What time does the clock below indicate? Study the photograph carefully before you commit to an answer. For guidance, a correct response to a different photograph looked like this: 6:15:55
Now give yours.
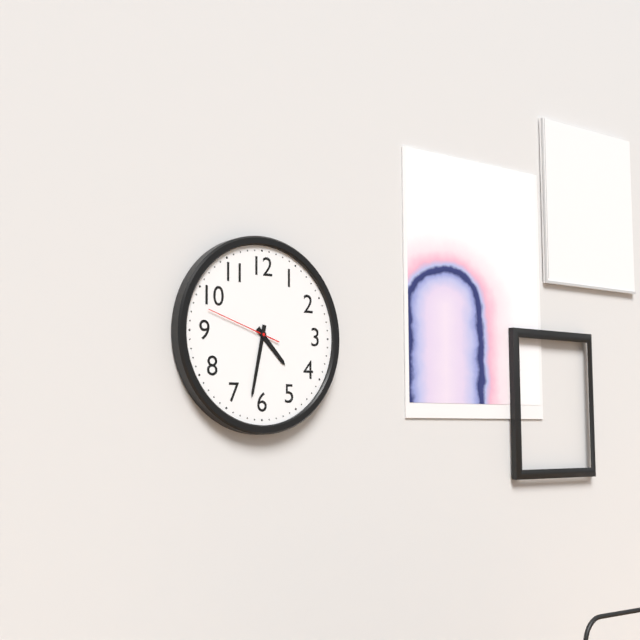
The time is 4:32:48
